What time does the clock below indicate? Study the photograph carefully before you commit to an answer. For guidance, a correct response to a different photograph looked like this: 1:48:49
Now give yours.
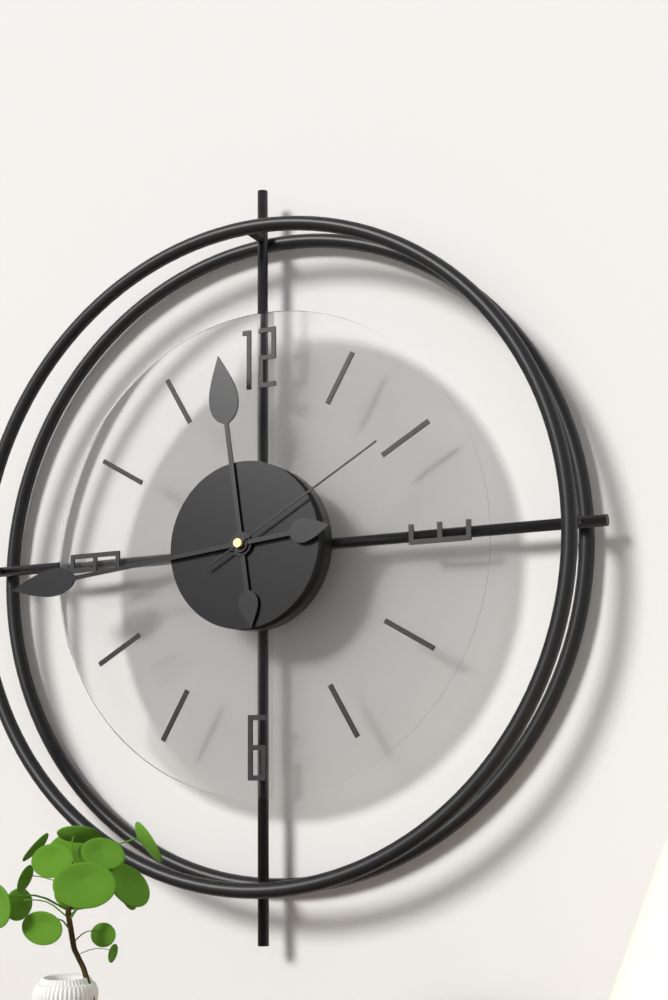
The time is 11:44:10
